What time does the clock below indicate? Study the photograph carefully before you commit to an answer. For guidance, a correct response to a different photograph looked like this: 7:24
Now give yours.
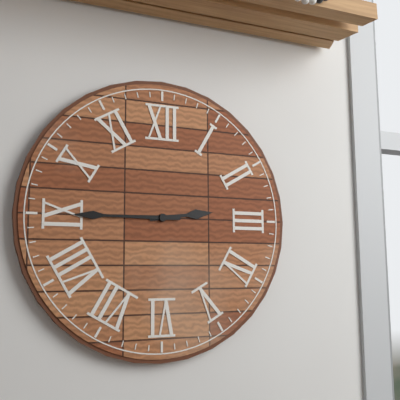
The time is 2:45
